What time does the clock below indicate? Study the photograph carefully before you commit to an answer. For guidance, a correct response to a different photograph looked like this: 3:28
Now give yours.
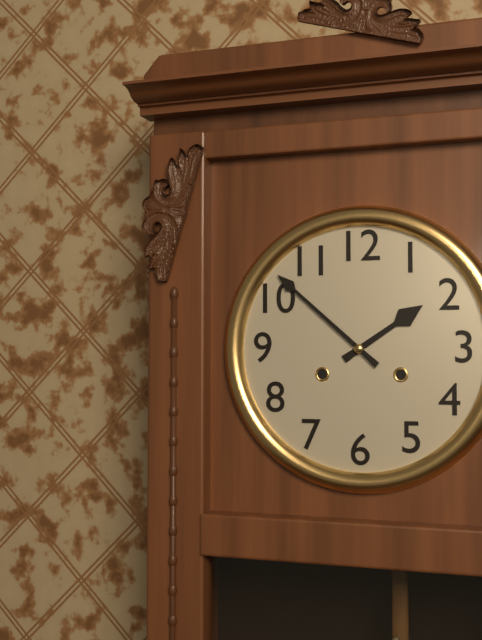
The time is 1:52
